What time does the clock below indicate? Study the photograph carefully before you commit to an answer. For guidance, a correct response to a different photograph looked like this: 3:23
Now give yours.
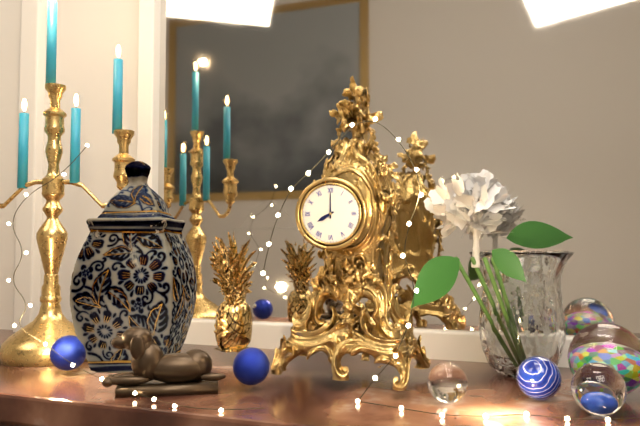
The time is 8:00
